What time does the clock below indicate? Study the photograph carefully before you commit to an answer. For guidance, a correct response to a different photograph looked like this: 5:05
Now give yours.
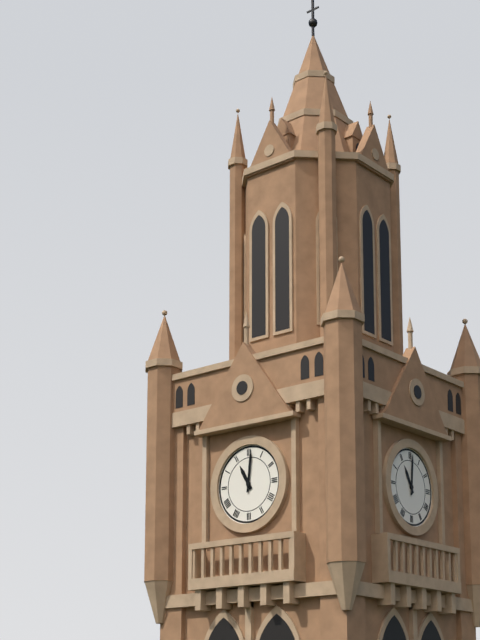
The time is 11:01
